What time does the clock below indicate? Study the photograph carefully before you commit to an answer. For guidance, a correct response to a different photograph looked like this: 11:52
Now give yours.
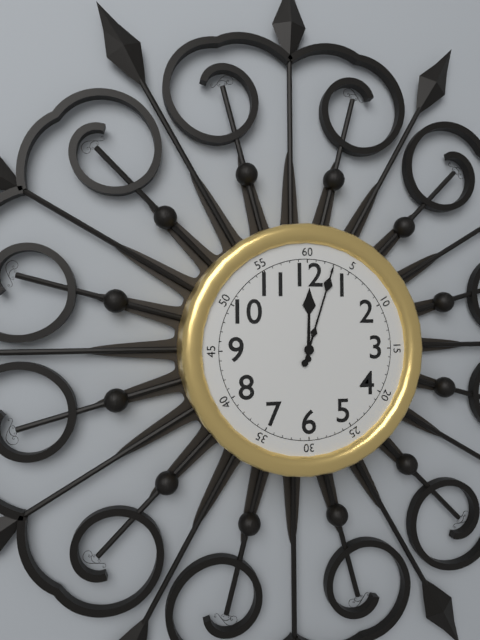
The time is 12:03
